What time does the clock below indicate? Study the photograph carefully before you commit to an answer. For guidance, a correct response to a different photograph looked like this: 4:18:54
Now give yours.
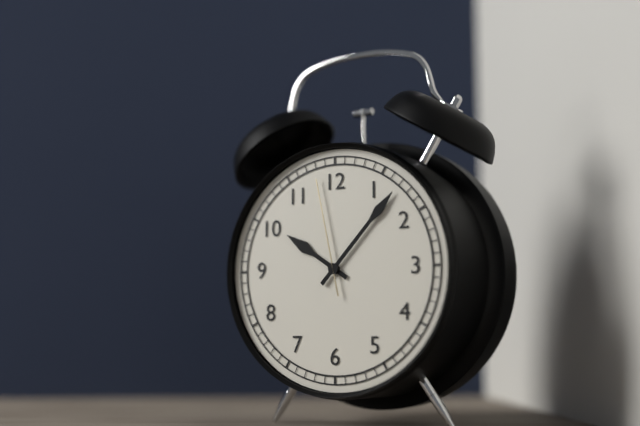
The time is 10:07:58
